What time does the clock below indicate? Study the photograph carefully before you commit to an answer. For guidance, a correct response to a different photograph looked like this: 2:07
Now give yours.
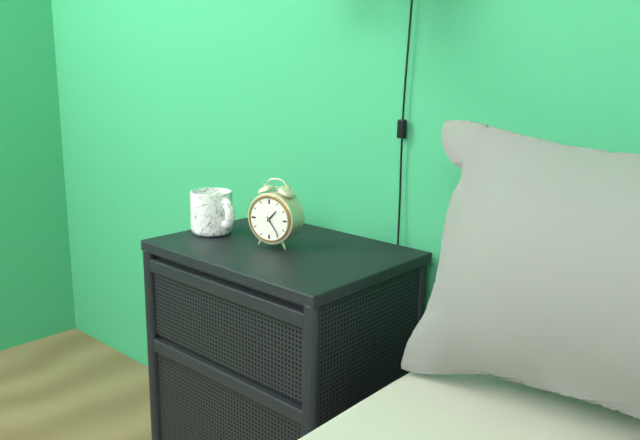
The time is 1:24
